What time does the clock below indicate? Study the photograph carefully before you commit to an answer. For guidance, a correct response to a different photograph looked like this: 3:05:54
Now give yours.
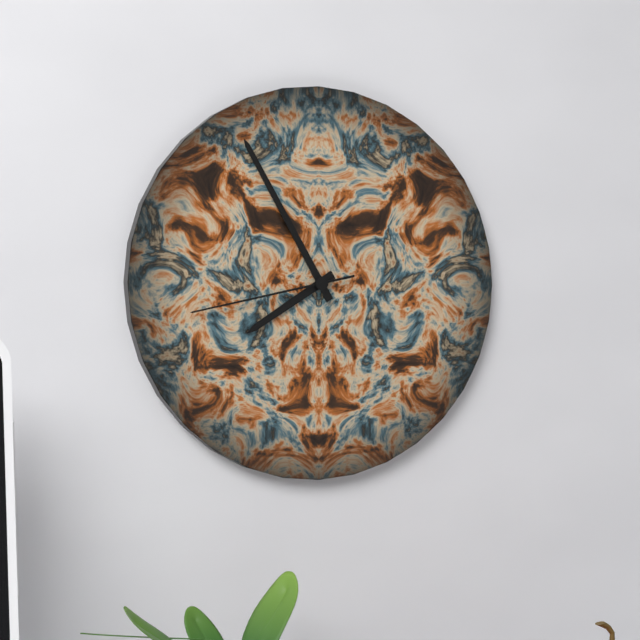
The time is 7:55:43
